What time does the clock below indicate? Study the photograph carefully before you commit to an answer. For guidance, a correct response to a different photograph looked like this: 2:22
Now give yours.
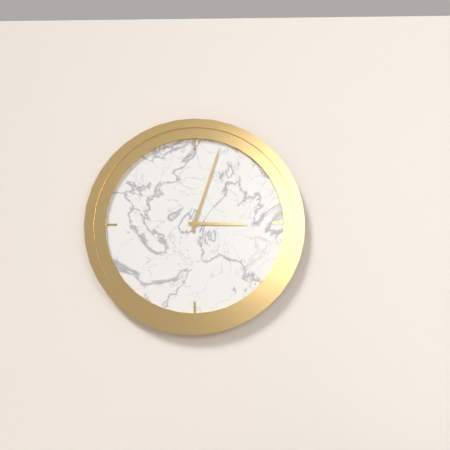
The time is 3:03
